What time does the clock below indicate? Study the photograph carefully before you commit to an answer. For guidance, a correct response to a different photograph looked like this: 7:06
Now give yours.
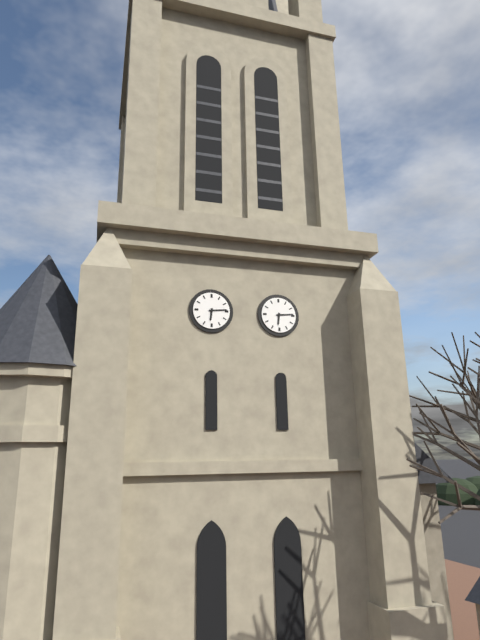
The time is 6:14
